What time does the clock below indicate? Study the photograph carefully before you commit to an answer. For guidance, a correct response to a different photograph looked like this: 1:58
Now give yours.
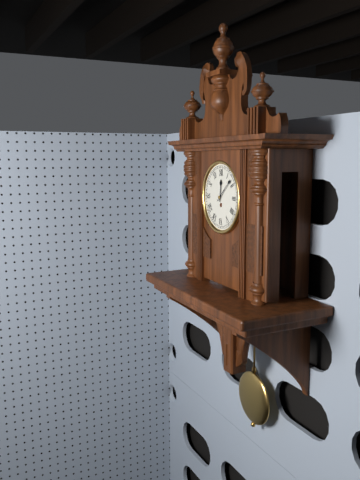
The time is 12:08
